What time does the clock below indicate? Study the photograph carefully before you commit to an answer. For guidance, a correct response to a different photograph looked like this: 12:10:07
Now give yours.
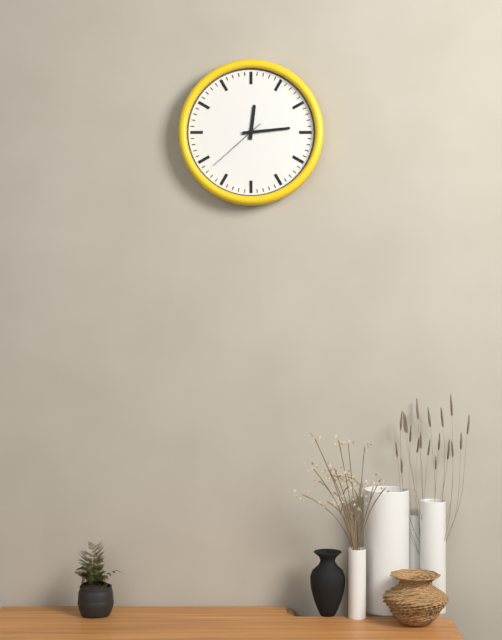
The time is 12:14:38
